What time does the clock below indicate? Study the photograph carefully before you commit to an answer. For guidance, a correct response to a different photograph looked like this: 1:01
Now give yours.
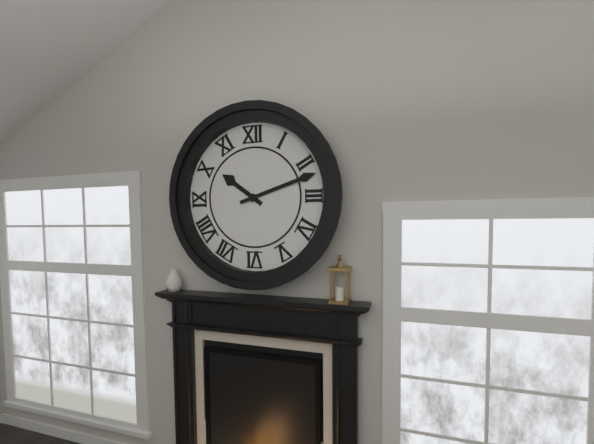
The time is 10:12
